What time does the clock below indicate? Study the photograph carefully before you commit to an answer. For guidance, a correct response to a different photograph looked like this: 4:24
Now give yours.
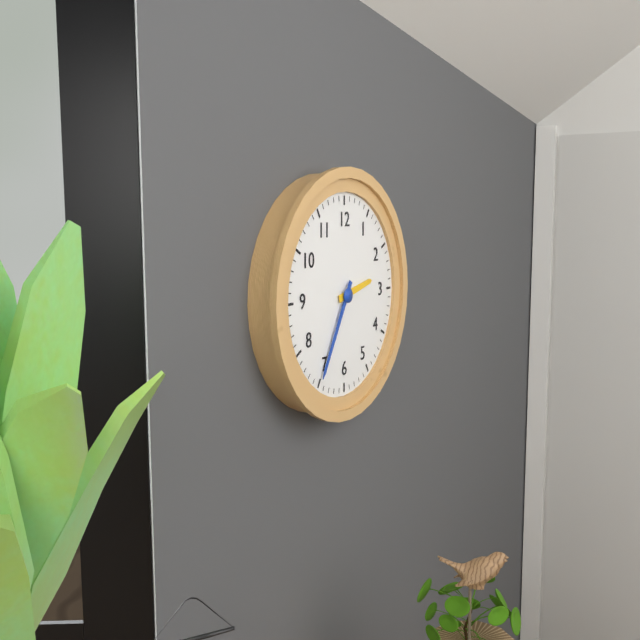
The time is 2:35
